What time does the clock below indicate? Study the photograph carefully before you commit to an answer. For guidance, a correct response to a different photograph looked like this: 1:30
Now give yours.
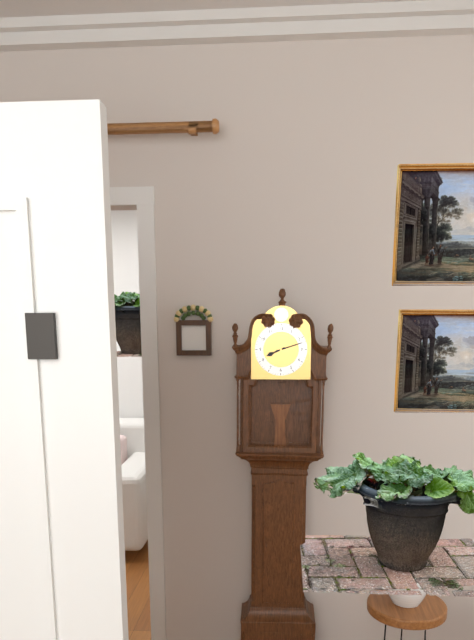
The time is 8:12
